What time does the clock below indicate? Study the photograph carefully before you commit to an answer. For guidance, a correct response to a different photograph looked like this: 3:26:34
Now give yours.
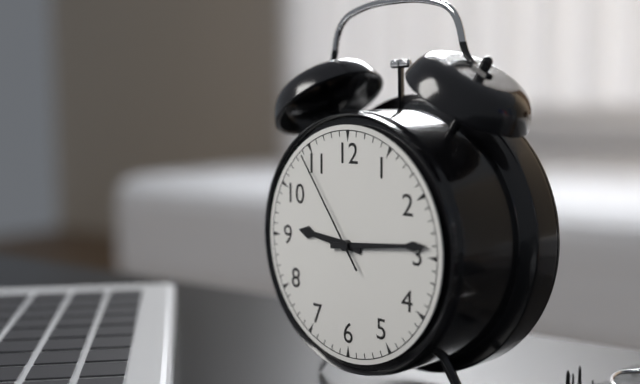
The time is 9:14:54
